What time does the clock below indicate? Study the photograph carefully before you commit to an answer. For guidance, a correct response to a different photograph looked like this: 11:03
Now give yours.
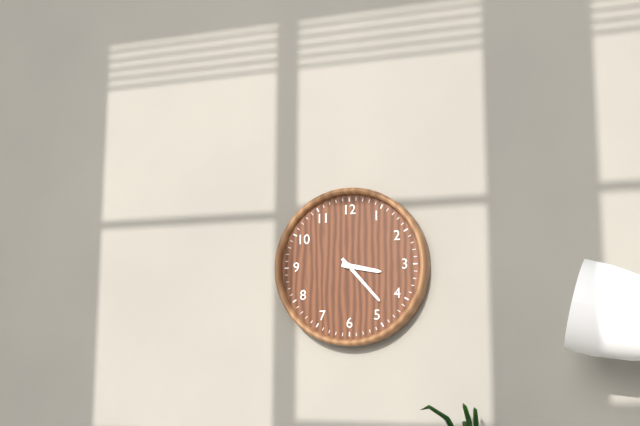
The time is 3:23
